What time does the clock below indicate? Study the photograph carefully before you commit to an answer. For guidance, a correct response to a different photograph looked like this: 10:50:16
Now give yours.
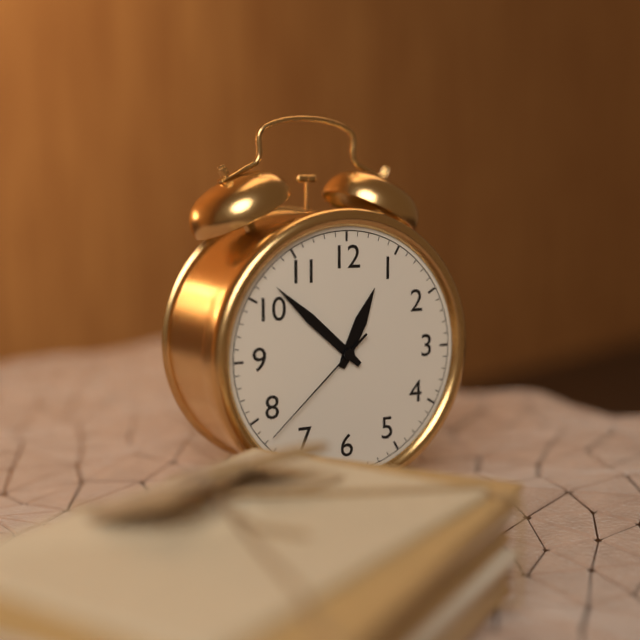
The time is 12:52:38
